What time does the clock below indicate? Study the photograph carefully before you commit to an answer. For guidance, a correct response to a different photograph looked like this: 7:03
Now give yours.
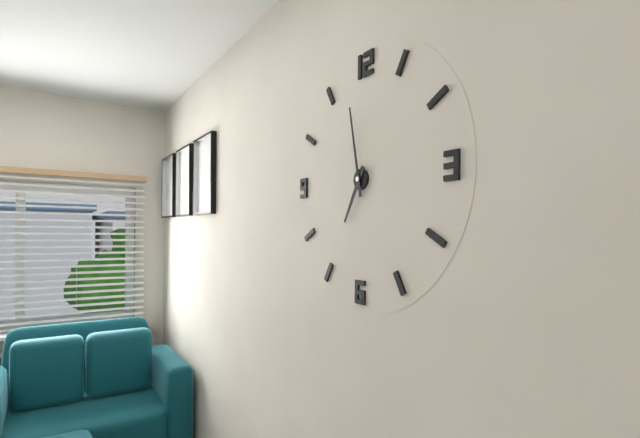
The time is 6:58
